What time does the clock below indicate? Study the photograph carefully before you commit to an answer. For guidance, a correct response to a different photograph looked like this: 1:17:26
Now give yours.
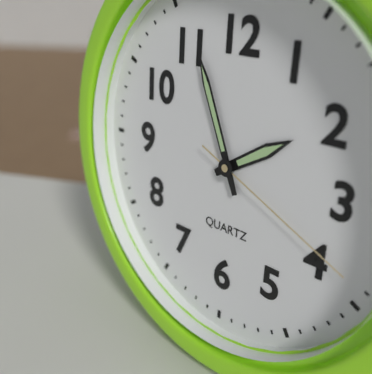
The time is 1:56:19
